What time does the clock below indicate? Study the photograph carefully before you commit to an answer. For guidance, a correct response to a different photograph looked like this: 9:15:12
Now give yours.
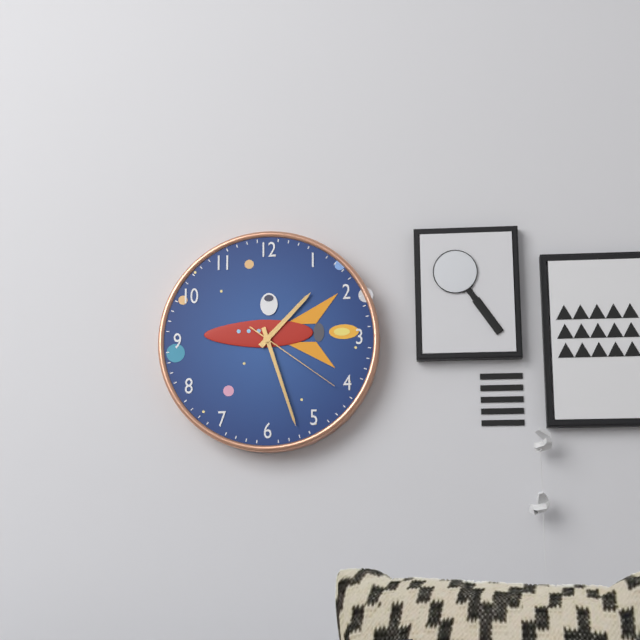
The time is 1:27:21
